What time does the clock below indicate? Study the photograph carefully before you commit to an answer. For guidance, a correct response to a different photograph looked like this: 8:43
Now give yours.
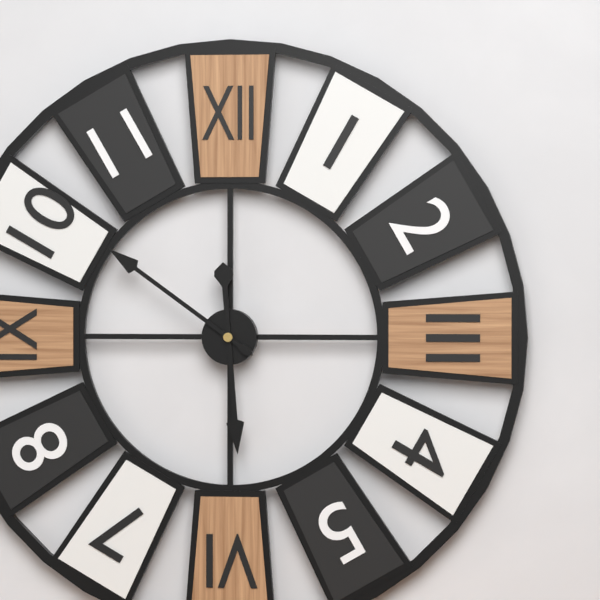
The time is 5:51
